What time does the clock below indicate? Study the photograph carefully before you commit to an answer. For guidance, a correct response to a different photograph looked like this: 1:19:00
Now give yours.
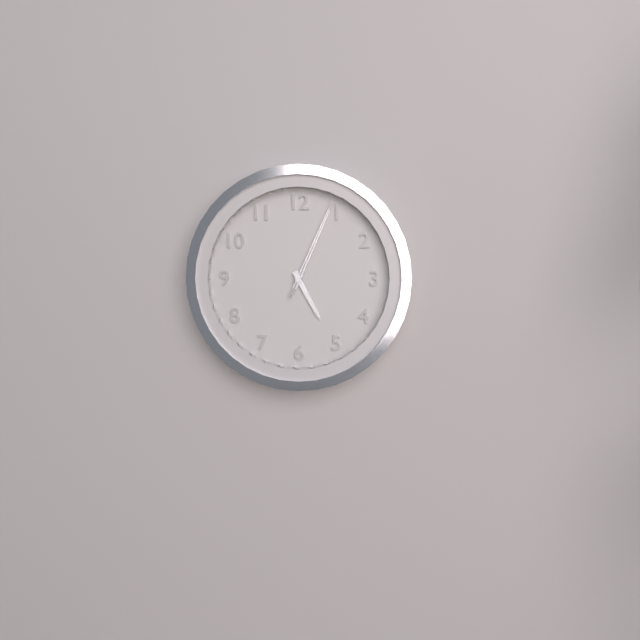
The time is 5:04:04
